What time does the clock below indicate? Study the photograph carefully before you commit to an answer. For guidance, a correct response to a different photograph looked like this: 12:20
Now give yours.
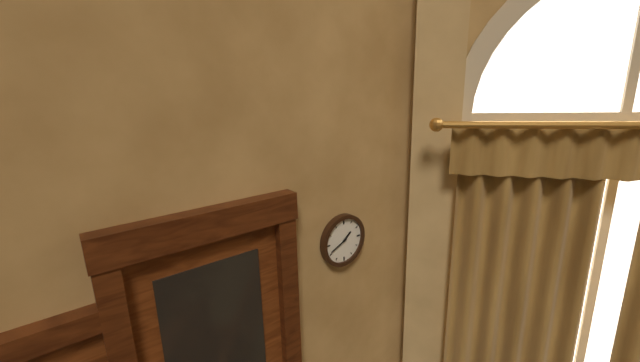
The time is 1:41
